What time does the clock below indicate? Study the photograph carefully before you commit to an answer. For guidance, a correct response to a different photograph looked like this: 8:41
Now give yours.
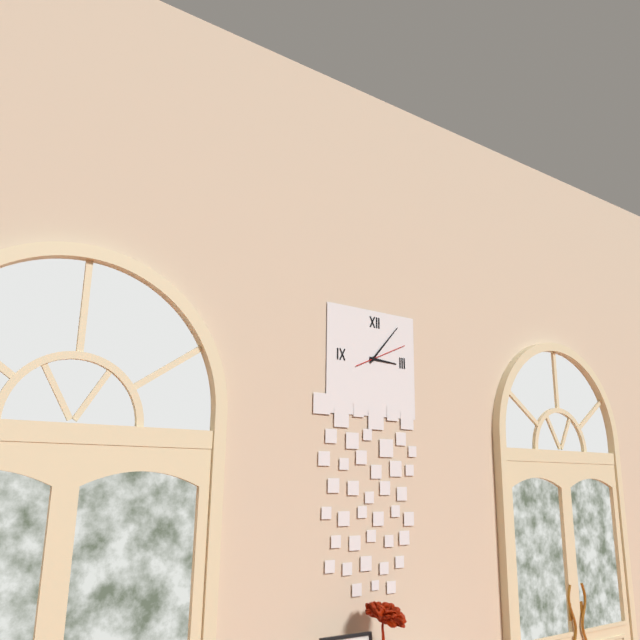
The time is 3:07
